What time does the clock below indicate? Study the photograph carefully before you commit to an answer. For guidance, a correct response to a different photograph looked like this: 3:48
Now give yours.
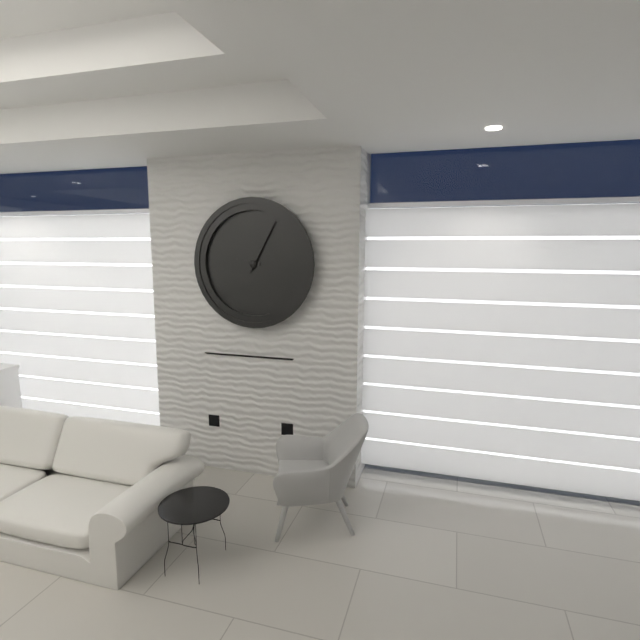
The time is 9:05
